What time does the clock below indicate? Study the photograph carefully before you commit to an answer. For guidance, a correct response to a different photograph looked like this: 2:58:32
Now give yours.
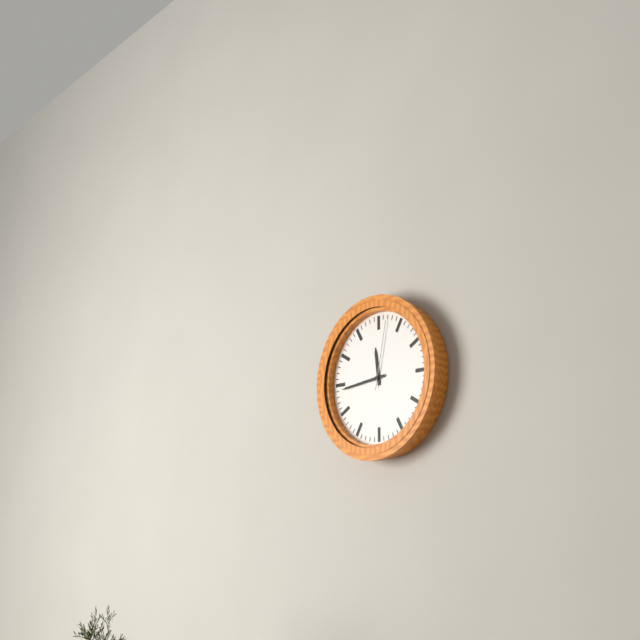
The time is 11:44:02
